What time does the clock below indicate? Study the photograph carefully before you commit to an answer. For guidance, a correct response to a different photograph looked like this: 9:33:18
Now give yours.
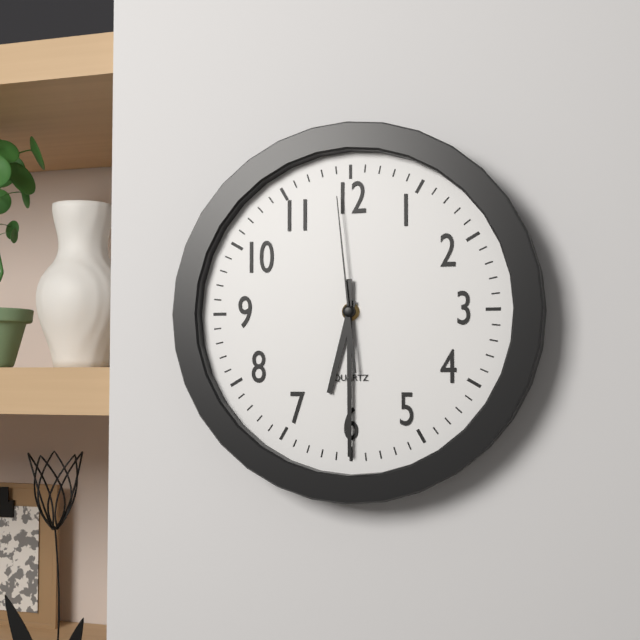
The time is 6:30:59
